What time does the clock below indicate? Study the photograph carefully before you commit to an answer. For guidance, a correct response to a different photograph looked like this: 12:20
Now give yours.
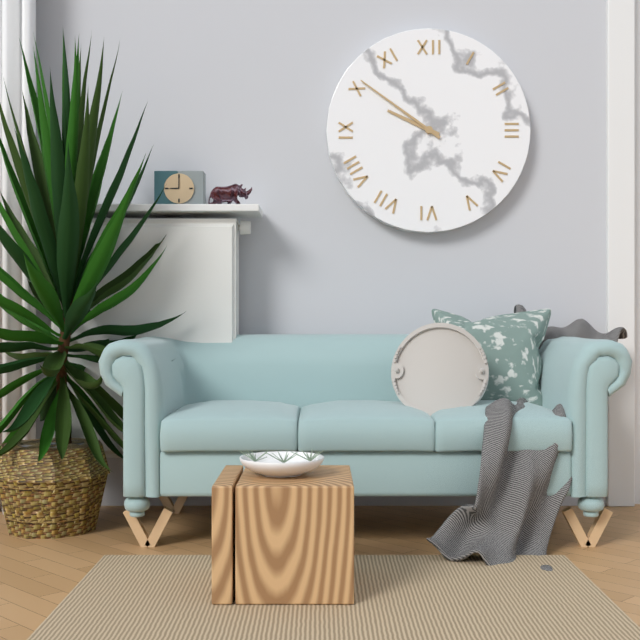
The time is 9:51
